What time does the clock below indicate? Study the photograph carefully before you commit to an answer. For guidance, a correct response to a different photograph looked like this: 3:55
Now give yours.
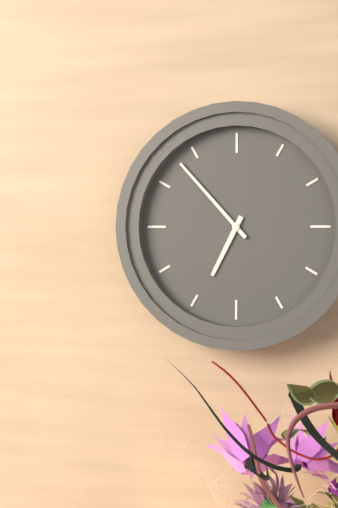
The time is 6:53
